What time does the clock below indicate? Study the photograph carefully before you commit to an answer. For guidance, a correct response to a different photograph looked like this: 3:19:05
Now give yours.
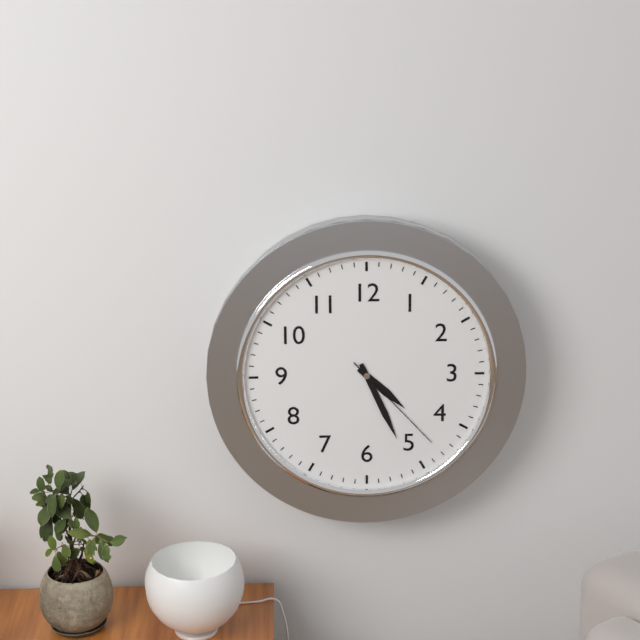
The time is 4:26:23
